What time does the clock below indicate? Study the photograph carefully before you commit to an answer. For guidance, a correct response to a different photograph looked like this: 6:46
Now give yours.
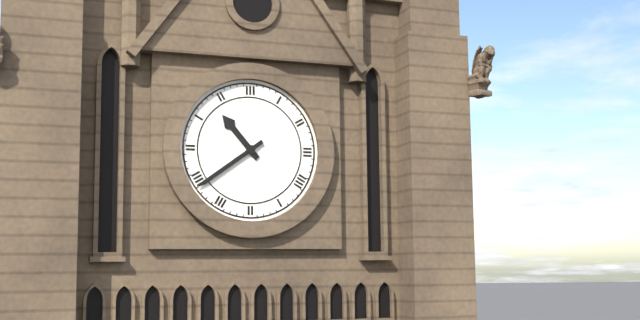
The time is 10:39
